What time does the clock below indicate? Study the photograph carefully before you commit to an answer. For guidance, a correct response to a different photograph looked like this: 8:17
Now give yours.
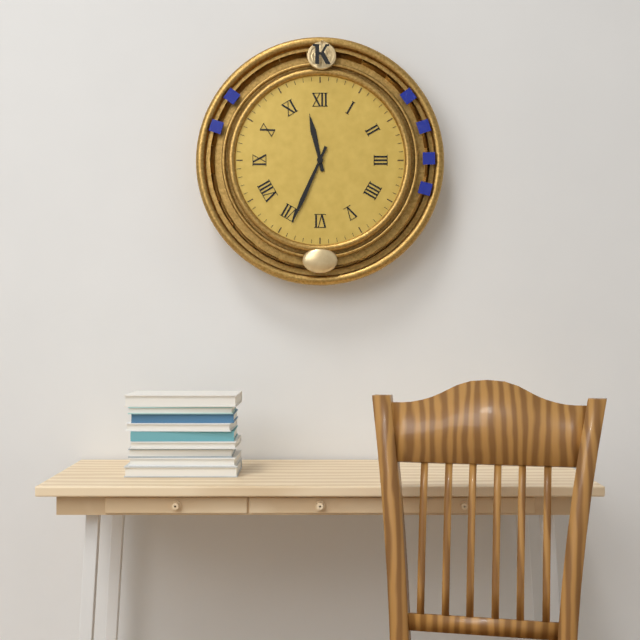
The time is 11:34
